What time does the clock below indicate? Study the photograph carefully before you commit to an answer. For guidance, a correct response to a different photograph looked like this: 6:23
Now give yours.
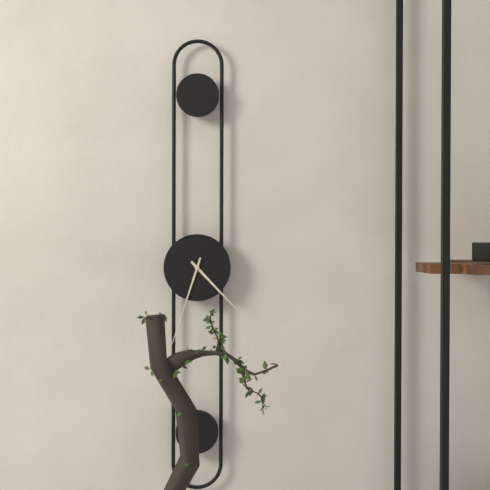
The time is 4:33
